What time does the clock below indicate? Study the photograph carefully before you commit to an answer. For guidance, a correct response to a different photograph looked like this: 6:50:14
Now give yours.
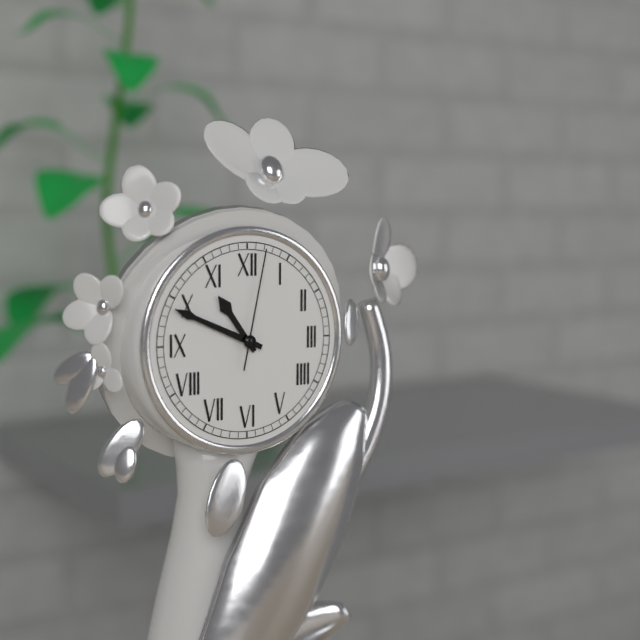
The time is 10:49:02
